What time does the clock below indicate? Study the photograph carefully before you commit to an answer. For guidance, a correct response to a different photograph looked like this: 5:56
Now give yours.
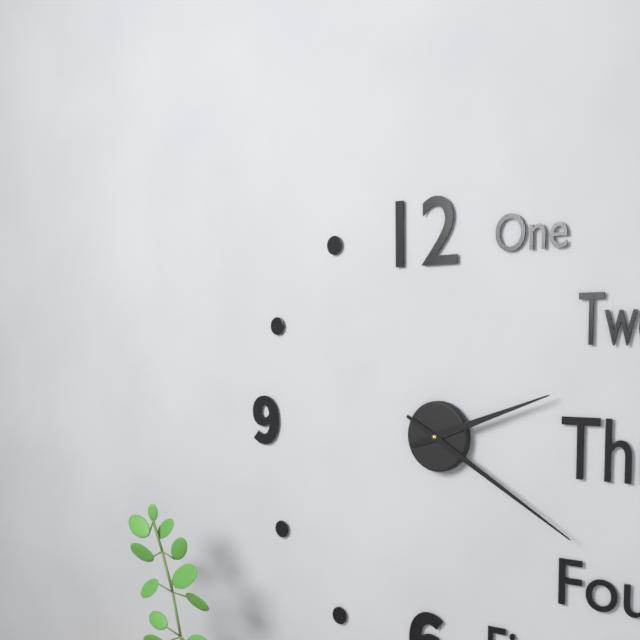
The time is 2:20
